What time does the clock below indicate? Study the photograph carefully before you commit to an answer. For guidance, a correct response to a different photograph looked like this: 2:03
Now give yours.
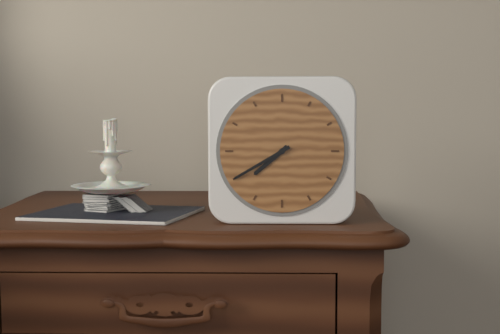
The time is 7:40
